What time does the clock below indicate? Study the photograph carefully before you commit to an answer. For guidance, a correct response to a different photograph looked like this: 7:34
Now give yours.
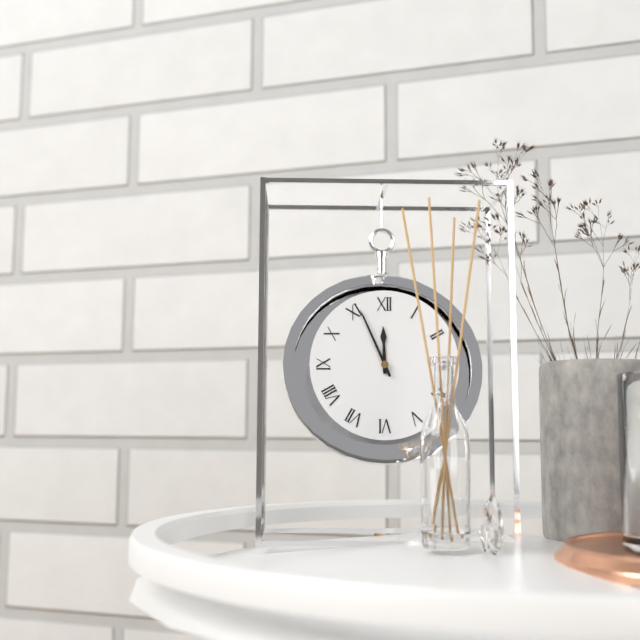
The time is 11:56
